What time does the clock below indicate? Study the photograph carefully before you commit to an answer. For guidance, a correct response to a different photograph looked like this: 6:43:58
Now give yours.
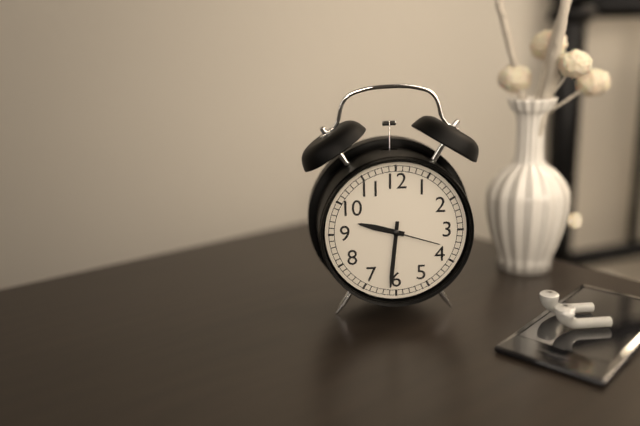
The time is 9:31:18
